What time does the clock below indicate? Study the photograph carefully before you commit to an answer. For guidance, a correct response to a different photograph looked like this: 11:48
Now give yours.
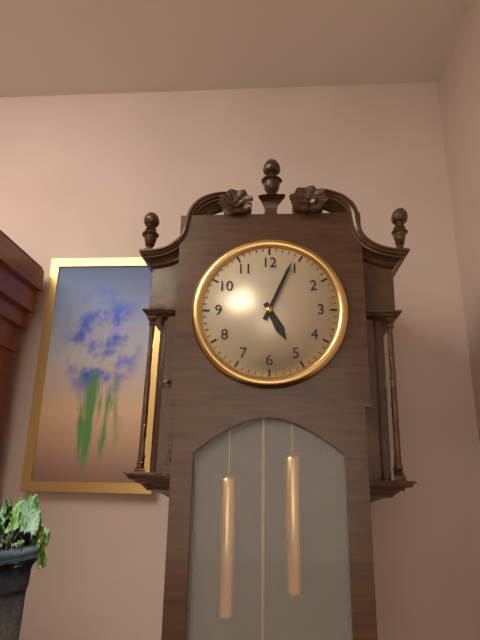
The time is 5:04
